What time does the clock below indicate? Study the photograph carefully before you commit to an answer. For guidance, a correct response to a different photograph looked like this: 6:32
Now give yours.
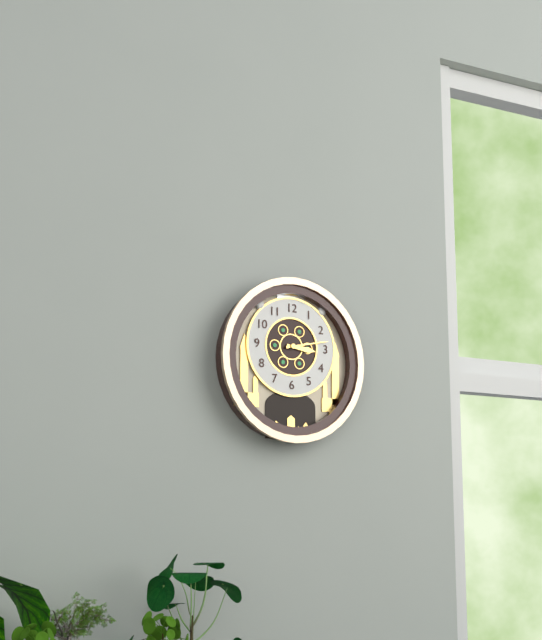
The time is 3:13
